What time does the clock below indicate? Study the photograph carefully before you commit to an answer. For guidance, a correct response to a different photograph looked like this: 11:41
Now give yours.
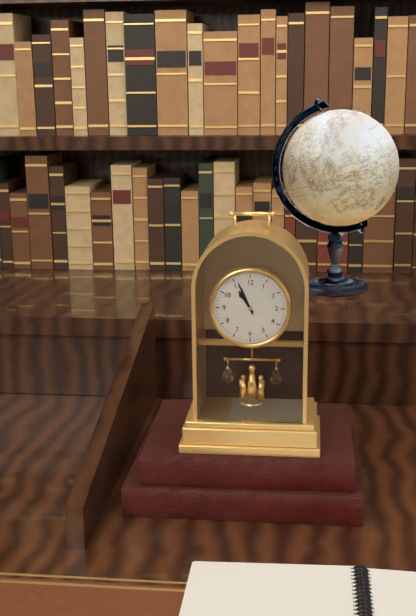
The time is 10:56
